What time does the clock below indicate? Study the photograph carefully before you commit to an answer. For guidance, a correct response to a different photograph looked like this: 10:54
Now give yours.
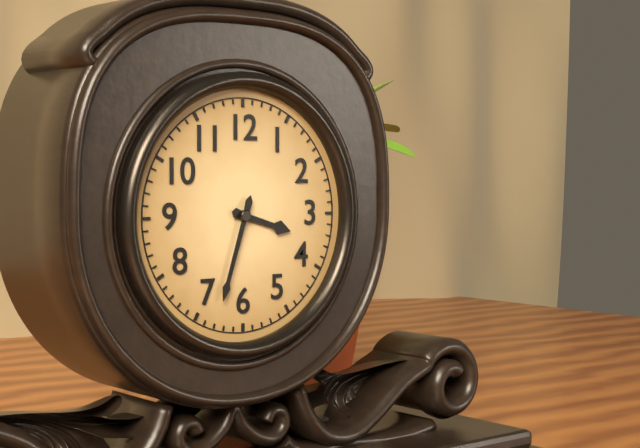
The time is 3:33
